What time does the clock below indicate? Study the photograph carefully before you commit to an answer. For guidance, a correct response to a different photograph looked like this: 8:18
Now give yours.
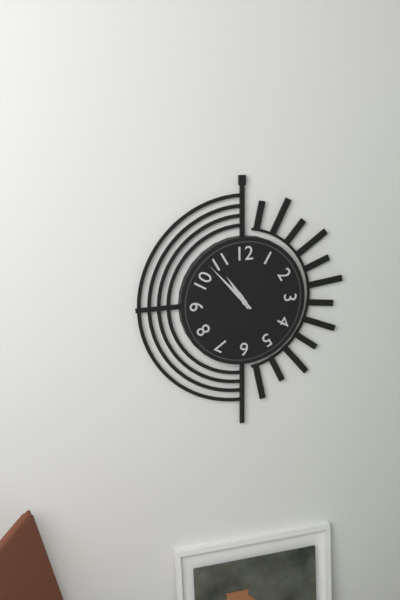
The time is 10:53
